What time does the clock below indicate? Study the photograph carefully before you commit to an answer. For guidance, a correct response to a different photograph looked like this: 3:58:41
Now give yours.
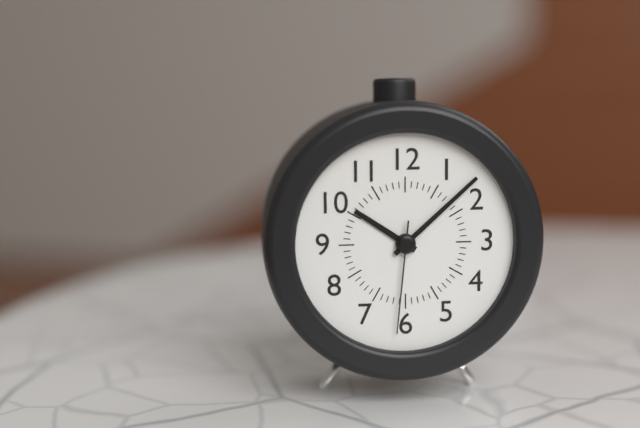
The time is 10:08:31
